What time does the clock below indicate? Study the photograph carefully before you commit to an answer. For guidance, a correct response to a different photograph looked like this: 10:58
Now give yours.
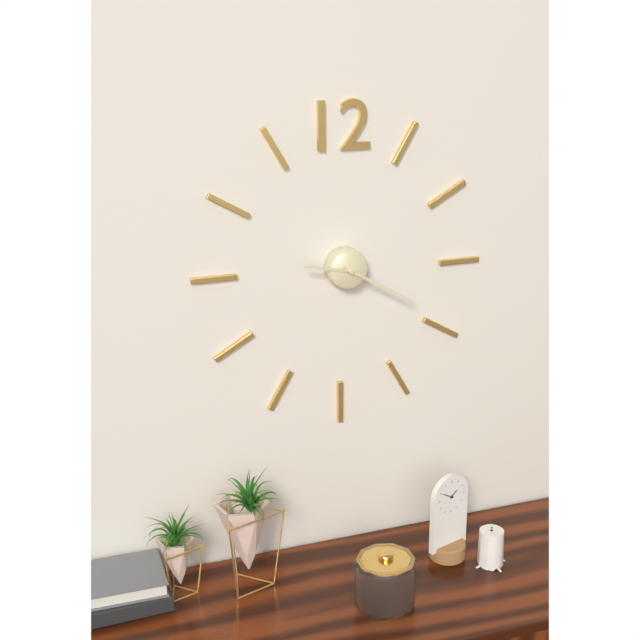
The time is 9:20
